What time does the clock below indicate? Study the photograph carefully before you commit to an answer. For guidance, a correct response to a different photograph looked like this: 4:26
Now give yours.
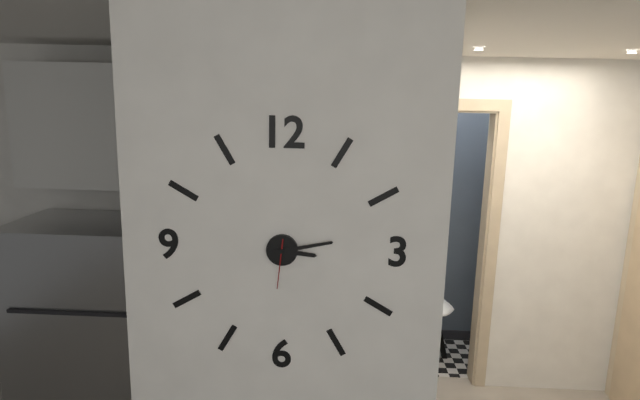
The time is 3:13
